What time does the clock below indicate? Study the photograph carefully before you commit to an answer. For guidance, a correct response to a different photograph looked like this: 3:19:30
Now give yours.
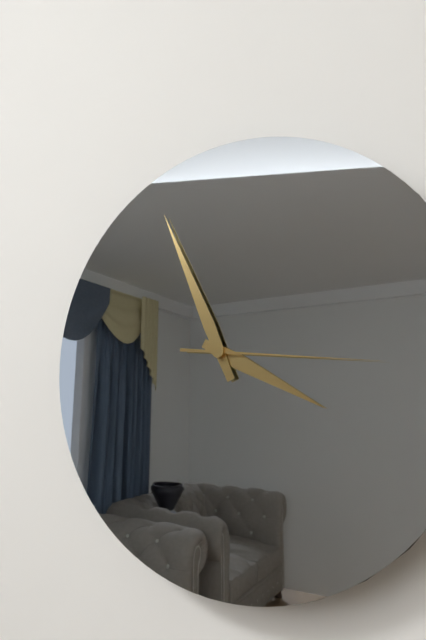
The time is 3:56:16
